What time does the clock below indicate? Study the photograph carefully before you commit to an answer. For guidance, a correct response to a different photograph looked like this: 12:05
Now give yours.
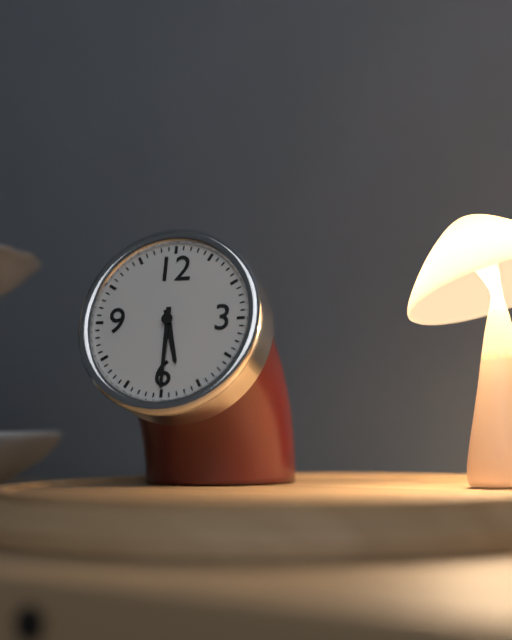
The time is 5:30
